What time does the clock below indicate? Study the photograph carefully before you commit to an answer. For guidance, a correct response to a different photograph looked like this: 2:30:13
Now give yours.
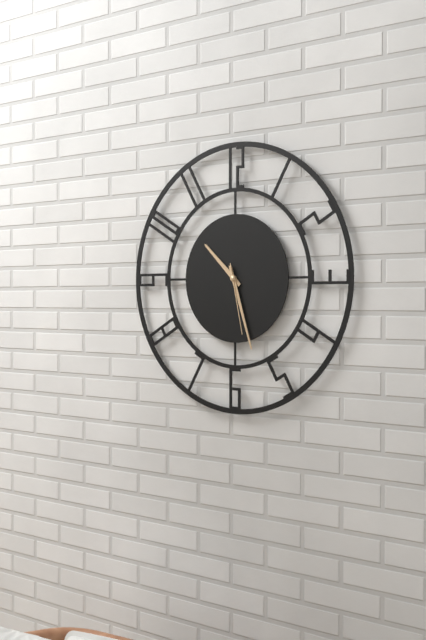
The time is 10:27:28
